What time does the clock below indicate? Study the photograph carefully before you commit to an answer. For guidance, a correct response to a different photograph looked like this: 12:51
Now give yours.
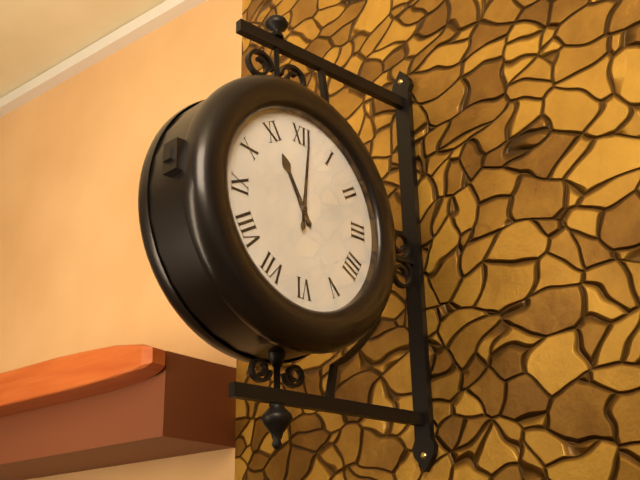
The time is 11:01
